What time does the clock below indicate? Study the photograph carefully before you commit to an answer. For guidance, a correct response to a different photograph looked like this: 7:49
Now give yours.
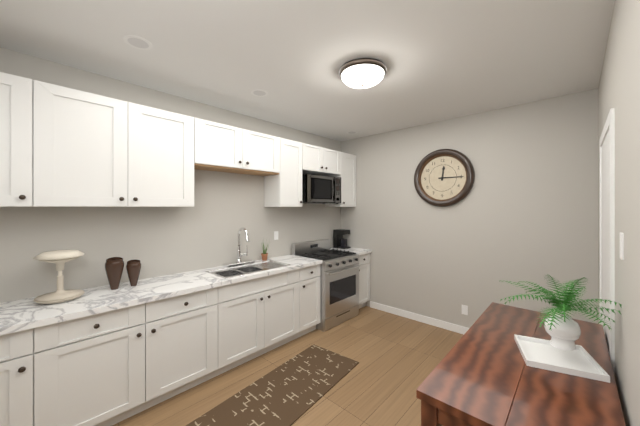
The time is 12:15
